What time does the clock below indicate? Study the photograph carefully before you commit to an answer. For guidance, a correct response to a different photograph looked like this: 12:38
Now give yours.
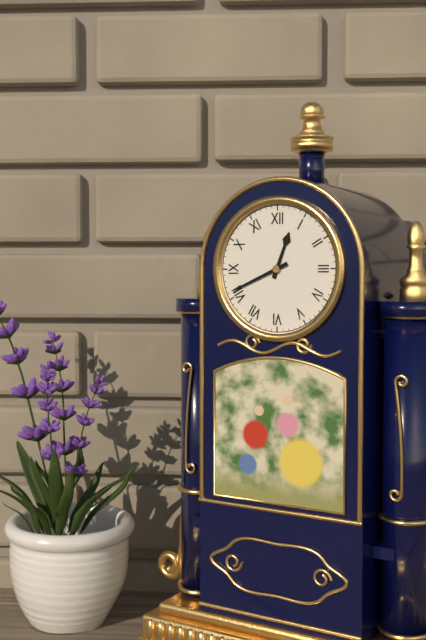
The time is 12:41
